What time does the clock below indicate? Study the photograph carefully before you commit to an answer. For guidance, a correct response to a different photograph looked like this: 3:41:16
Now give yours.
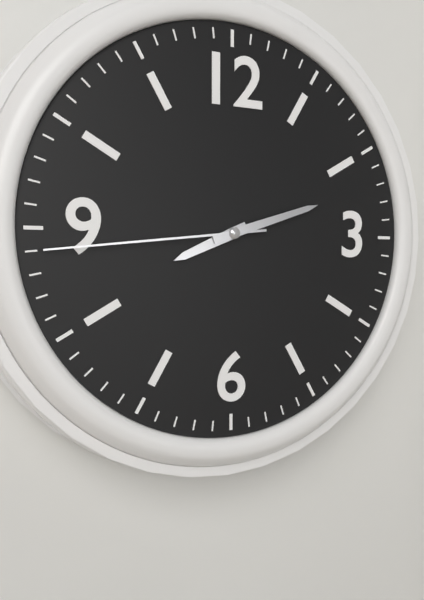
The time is 8:12:44
